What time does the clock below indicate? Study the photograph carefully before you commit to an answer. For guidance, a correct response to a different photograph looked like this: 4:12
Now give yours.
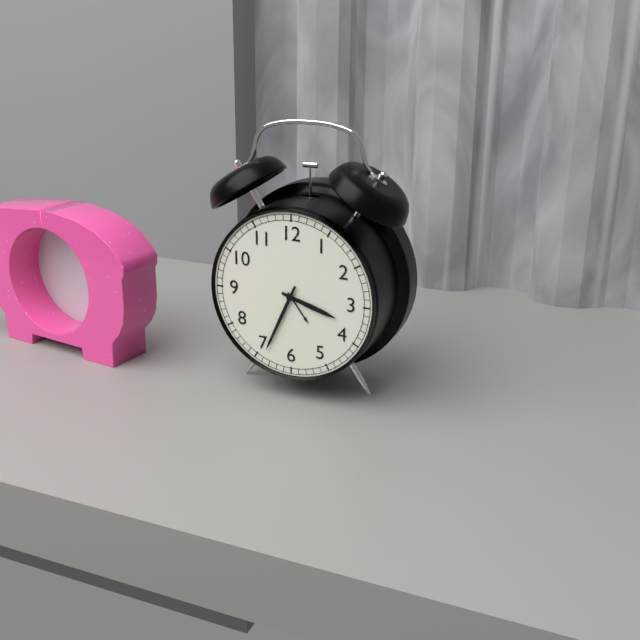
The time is 3:34
